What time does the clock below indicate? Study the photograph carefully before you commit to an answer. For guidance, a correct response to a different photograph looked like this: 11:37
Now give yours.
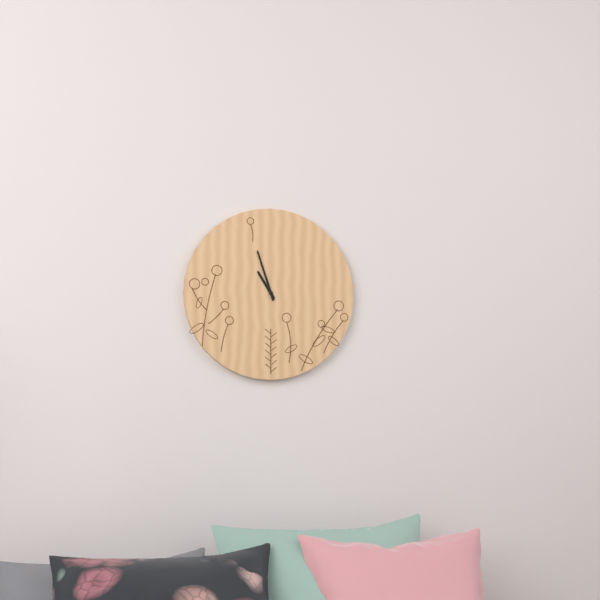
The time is 10:57
